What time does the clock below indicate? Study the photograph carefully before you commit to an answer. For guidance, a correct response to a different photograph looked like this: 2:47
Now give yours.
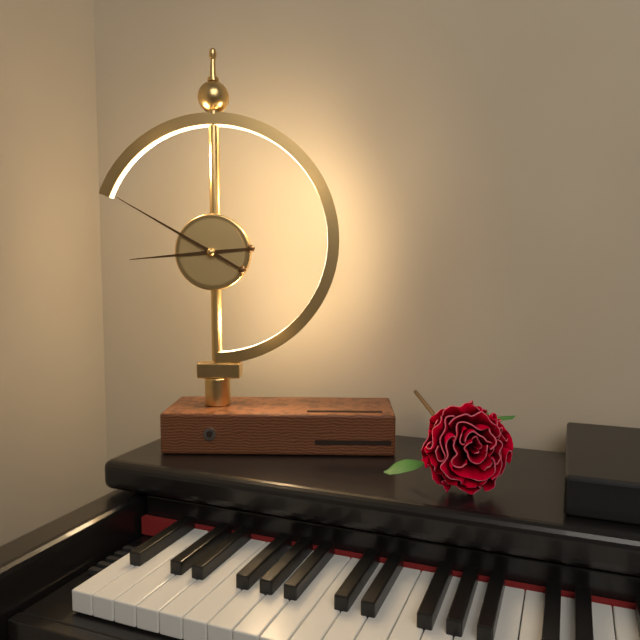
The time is 8:50
